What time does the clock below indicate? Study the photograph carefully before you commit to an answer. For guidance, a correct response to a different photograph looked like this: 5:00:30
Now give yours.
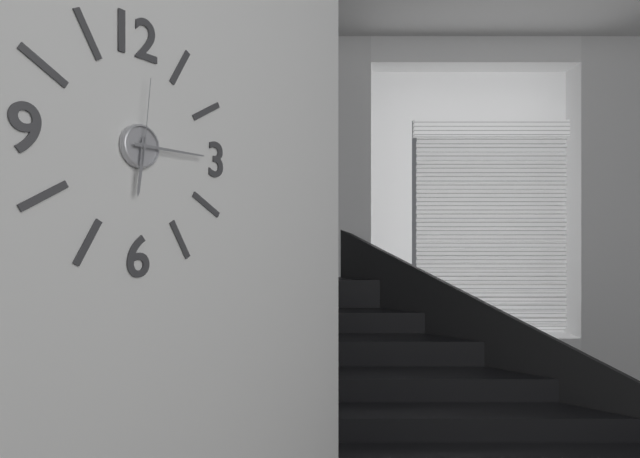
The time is 6:15:01
